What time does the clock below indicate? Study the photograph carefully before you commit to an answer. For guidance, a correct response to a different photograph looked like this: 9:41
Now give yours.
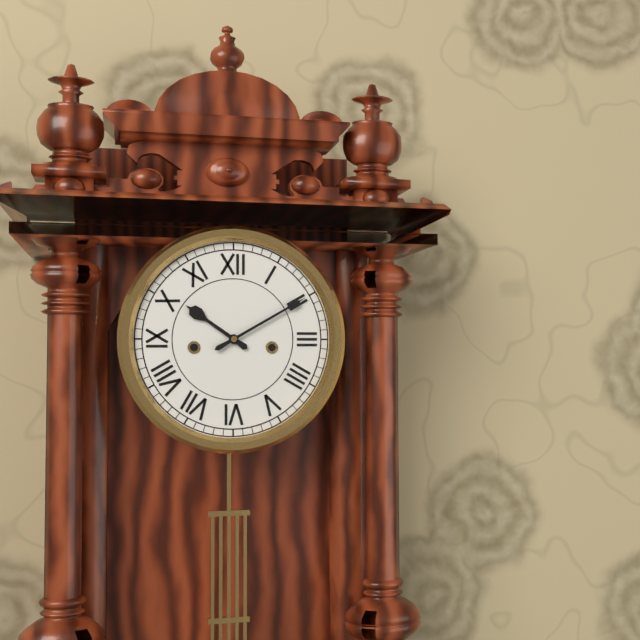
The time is 10:10
